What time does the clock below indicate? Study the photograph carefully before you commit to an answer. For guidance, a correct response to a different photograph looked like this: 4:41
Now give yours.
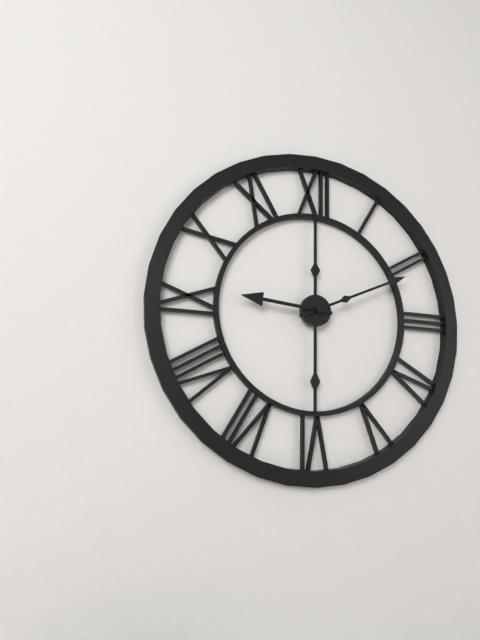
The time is 9:11
